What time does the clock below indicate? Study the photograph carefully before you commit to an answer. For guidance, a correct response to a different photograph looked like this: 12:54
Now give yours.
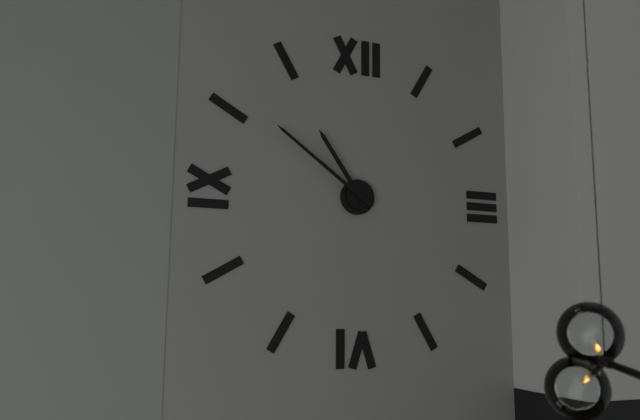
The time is 10:51
